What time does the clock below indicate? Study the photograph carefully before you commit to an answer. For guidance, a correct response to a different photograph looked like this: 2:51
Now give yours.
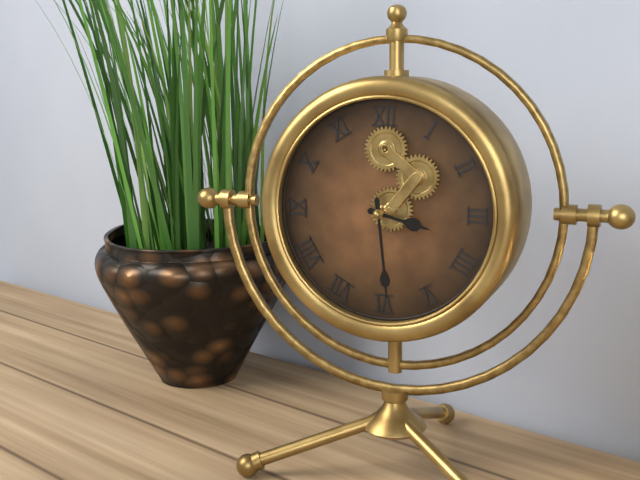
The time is 3:29
